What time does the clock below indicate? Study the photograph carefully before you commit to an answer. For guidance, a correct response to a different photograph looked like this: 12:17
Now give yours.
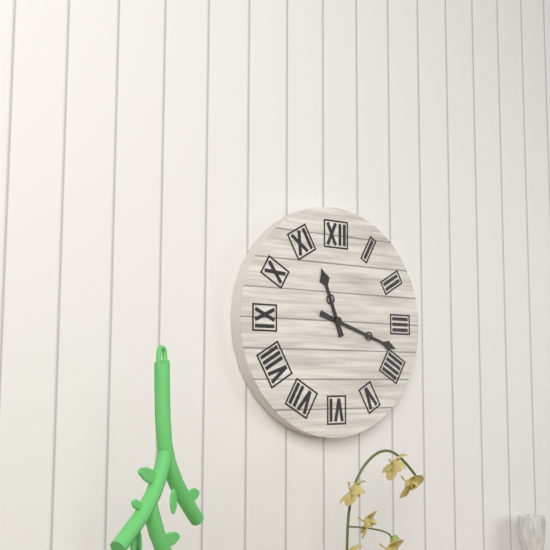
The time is 11:18
